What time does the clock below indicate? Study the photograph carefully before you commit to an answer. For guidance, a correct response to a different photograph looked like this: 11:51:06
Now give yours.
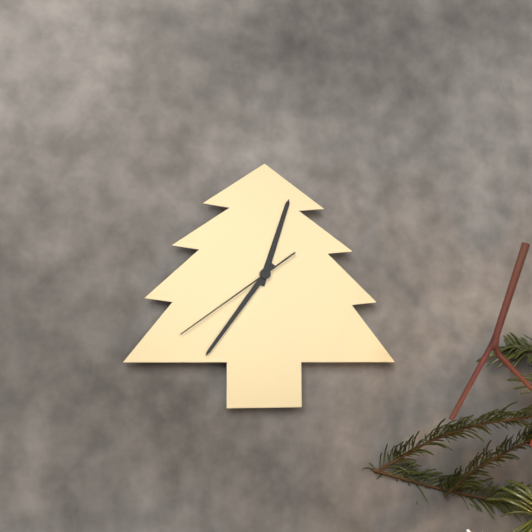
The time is 12:36:39
